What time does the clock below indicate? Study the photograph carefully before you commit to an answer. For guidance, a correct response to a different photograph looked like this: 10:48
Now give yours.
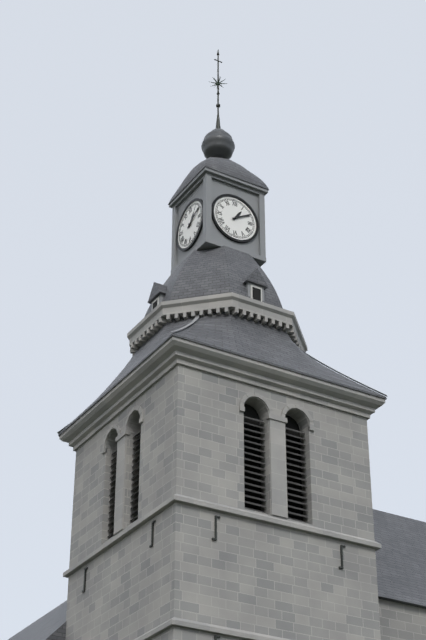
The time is 1:10
